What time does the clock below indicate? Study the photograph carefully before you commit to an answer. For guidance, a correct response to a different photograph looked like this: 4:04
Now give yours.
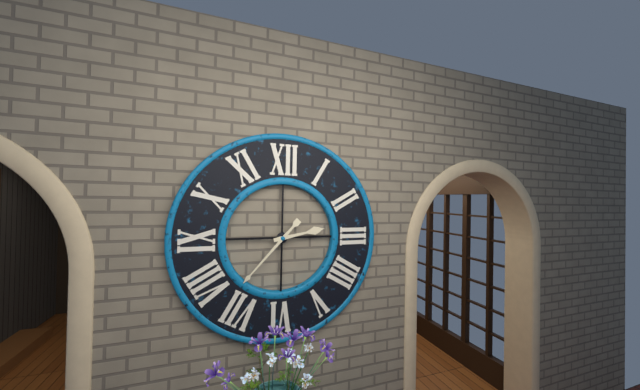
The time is 2:37
